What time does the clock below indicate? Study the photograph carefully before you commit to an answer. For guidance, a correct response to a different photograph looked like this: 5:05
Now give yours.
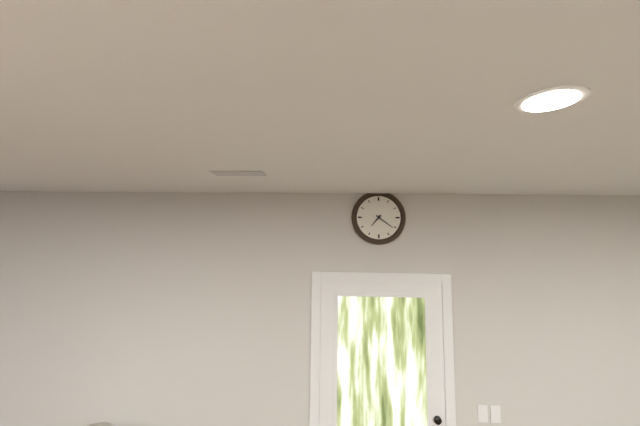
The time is 7:21
